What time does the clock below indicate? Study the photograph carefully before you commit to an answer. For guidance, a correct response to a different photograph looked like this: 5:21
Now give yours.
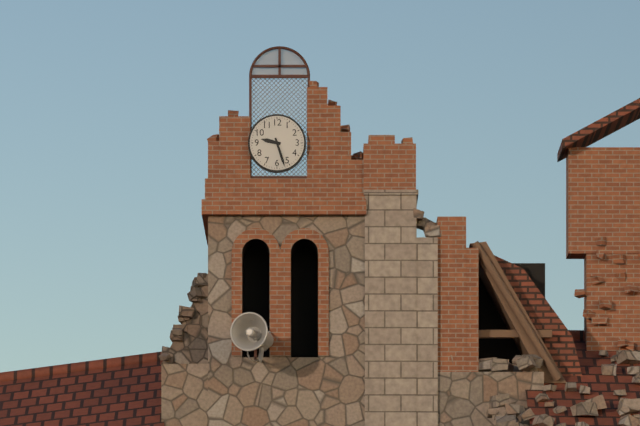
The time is 9:27
